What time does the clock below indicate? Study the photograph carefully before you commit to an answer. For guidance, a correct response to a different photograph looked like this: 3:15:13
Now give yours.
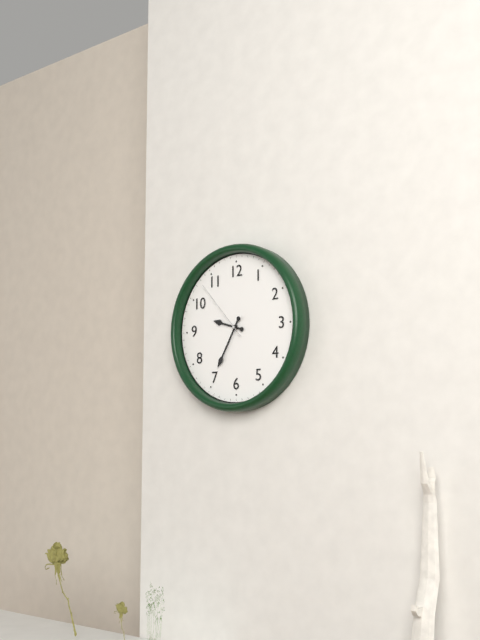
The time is 9:35:53
